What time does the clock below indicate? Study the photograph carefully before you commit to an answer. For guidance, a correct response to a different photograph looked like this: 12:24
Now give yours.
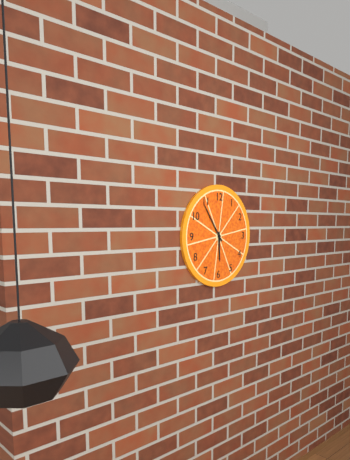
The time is 5:54
